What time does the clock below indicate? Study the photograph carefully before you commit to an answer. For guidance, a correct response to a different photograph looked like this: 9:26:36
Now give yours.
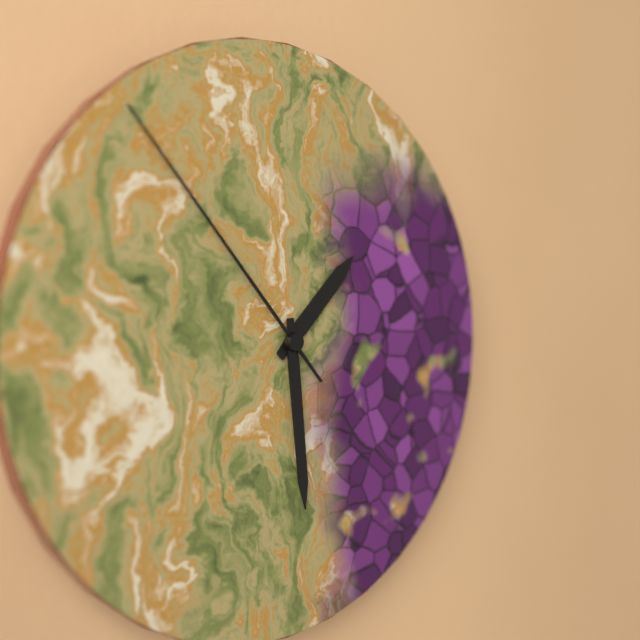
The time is 1:29:53
